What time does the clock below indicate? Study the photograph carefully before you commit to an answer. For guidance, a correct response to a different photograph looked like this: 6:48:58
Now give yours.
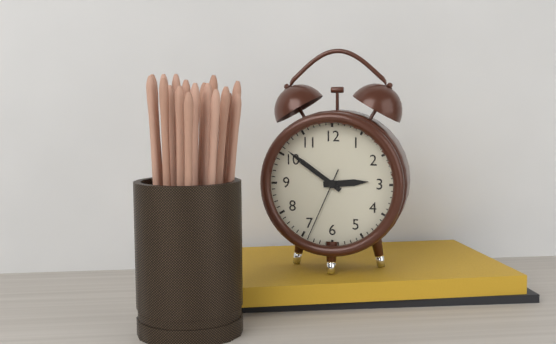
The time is 2:51:34
